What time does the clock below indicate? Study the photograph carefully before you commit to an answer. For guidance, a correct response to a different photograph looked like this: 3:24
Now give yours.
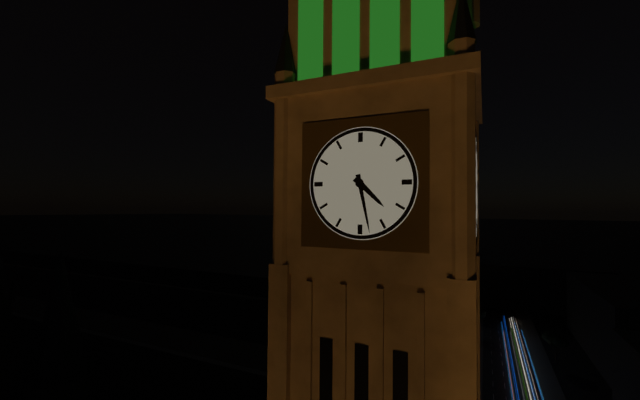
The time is 4:28
